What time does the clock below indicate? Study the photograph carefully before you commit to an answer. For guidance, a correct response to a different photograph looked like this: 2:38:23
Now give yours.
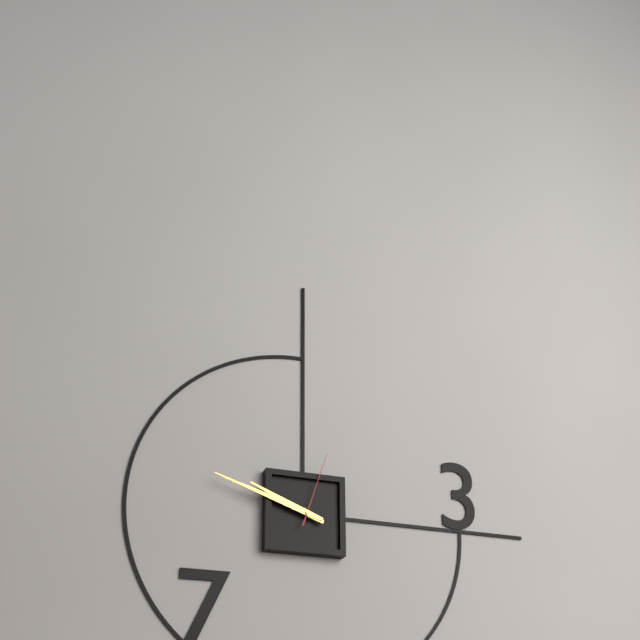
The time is 9:48:03
